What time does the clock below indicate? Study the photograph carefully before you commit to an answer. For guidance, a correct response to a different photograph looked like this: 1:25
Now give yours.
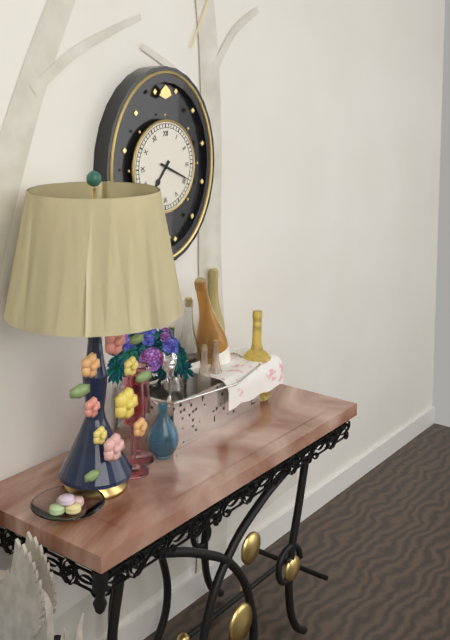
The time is 7:19
